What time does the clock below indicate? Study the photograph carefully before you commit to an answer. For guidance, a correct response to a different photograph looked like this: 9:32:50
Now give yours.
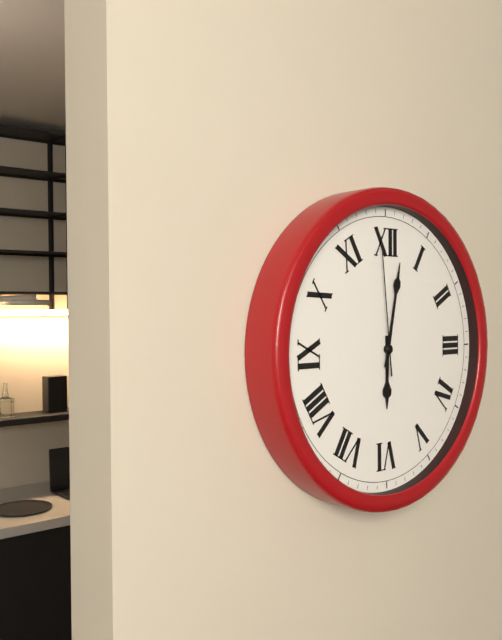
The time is 6:02:59
